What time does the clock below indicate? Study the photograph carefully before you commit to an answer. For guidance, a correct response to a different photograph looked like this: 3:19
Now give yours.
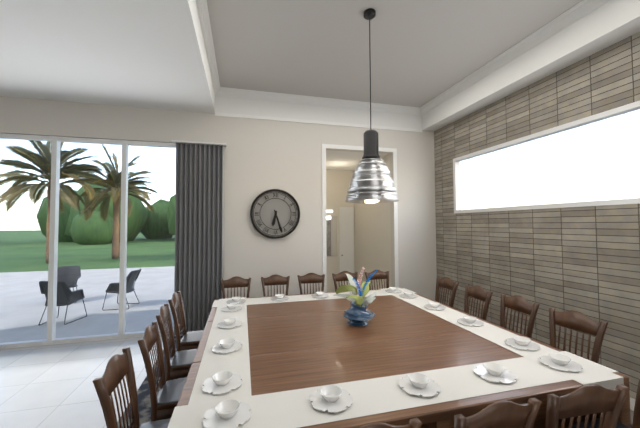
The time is 6:27
